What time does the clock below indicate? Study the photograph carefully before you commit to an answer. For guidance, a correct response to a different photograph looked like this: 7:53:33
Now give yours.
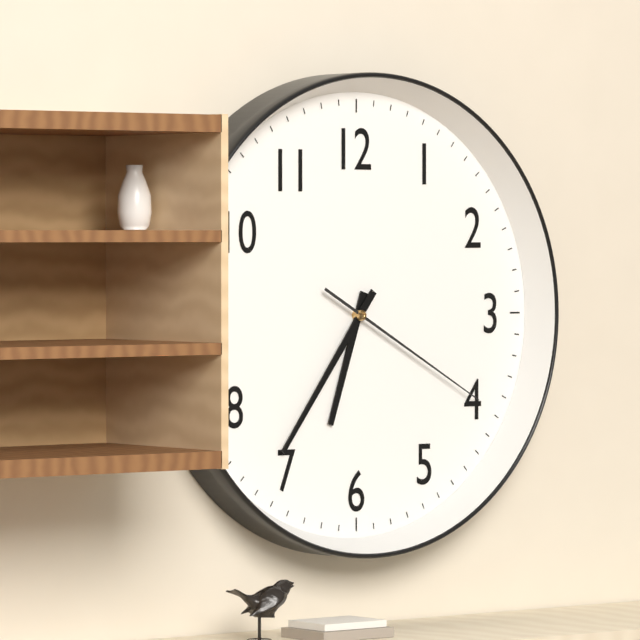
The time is 6:36:20
